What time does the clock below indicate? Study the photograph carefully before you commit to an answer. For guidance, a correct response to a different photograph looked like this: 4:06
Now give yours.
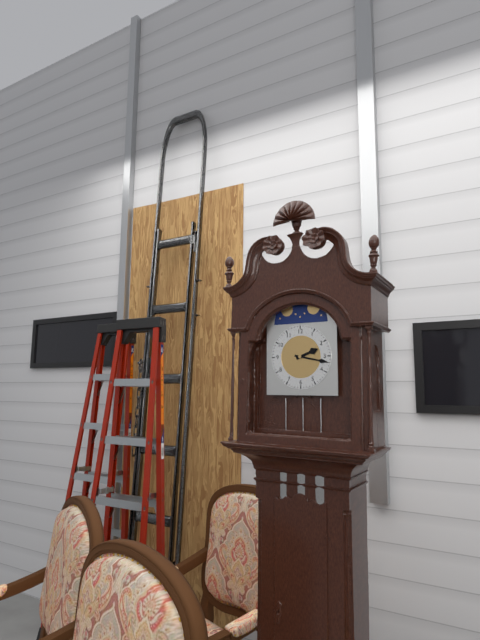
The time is 2:17
